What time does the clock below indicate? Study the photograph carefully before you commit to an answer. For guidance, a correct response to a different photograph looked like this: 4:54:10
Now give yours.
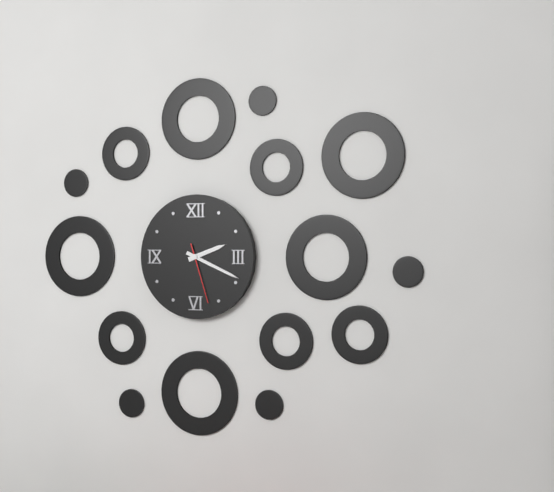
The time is 2:19:27
